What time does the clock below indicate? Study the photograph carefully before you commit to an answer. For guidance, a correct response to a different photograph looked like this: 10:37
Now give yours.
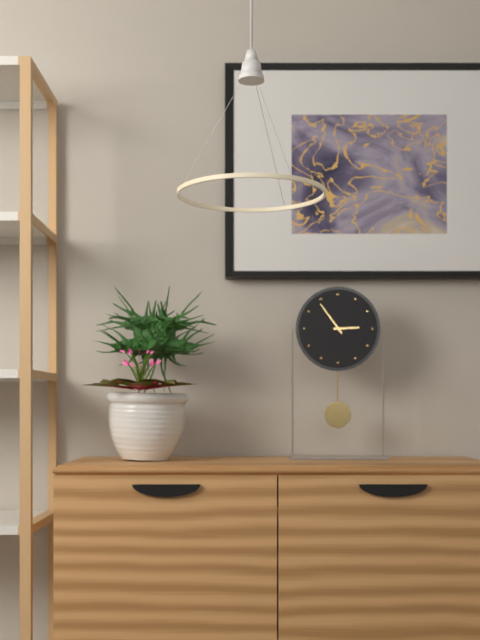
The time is 2:54
